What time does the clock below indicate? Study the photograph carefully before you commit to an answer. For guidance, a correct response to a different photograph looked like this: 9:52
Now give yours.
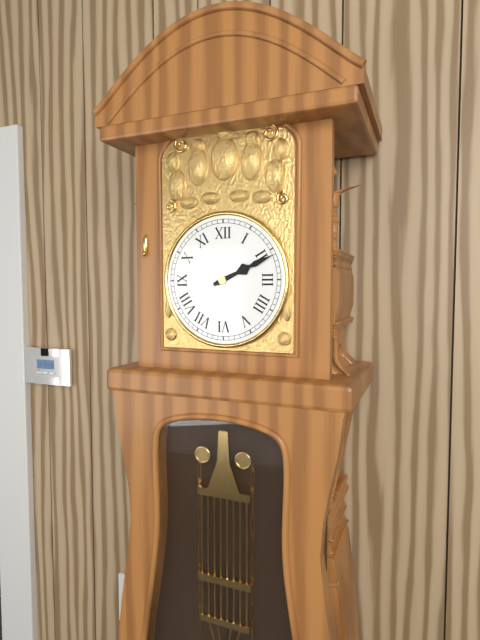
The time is 2:11
